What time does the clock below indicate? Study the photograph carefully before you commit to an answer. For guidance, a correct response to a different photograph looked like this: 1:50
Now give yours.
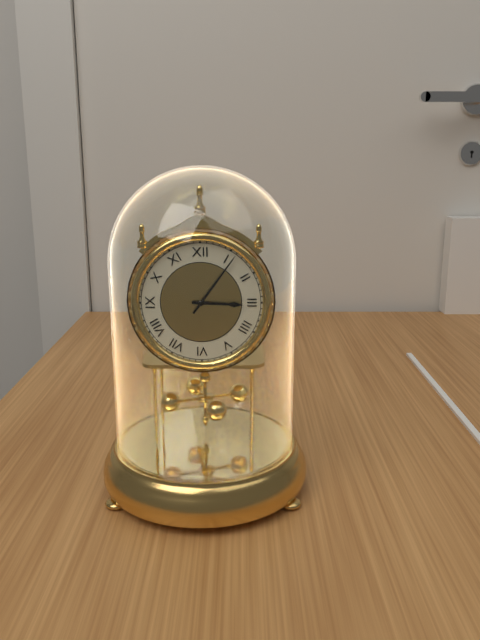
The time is 3:06
